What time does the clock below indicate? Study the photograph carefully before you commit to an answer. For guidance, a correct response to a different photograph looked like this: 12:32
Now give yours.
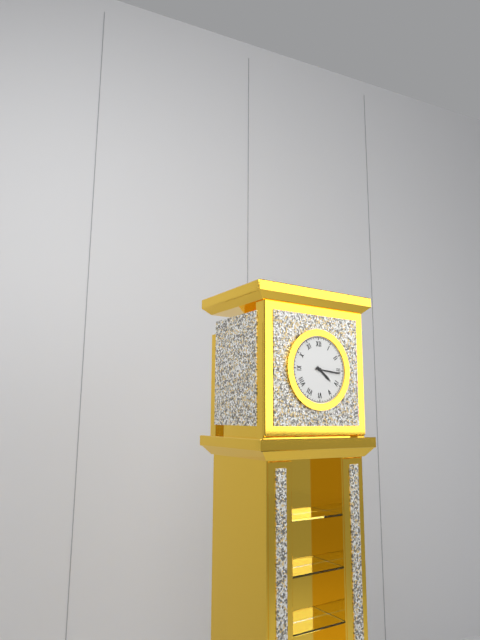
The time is 4:16
